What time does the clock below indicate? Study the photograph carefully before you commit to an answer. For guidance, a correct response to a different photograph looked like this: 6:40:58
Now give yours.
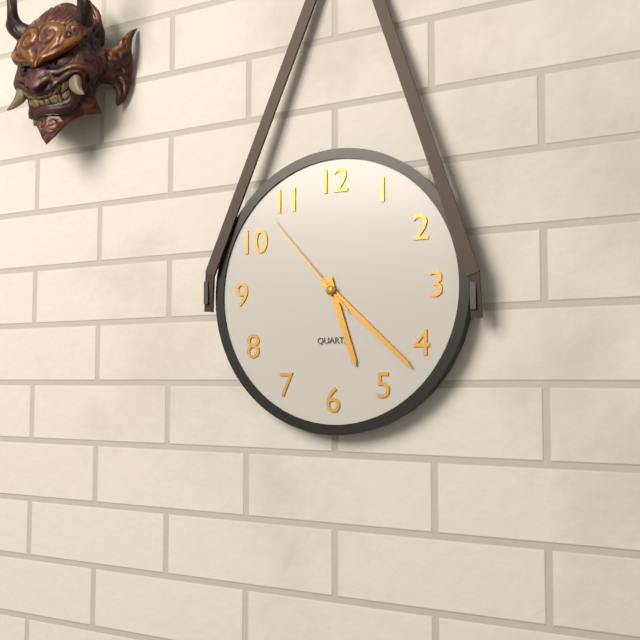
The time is 5:22:53
